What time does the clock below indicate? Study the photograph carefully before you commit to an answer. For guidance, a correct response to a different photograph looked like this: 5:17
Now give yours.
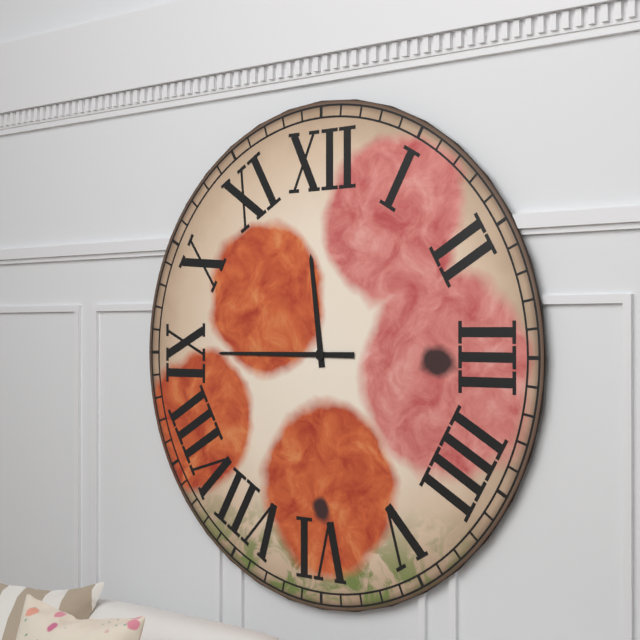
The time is 11:45
